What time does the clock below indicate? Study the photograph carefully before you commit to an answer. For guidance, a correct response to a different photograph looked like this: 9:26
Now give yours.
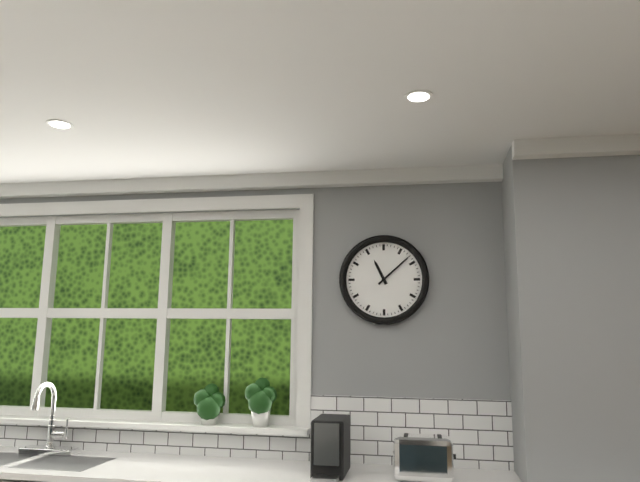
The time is 11:08
